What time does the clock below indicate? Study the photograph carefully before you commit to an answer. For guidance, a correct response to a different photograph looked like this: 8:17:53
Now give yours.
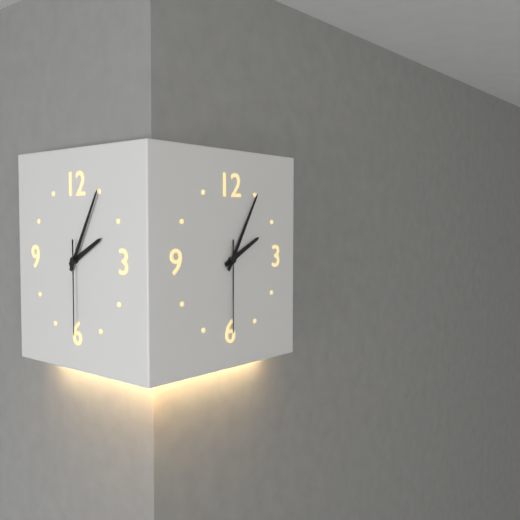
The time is 2:05:30
